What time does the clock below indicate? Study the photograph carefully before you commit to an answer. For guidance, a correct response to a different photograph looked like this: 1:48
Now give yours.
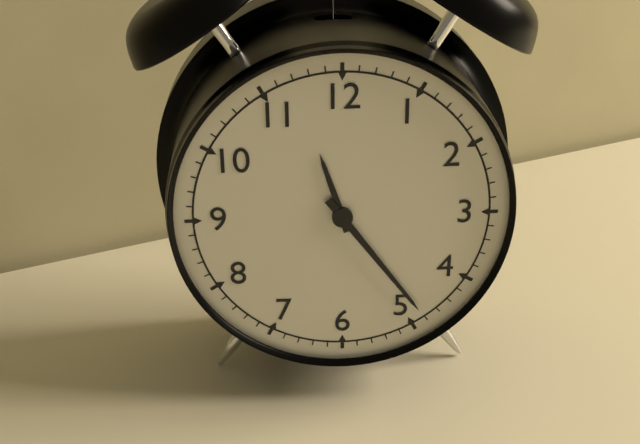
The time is 11:24
